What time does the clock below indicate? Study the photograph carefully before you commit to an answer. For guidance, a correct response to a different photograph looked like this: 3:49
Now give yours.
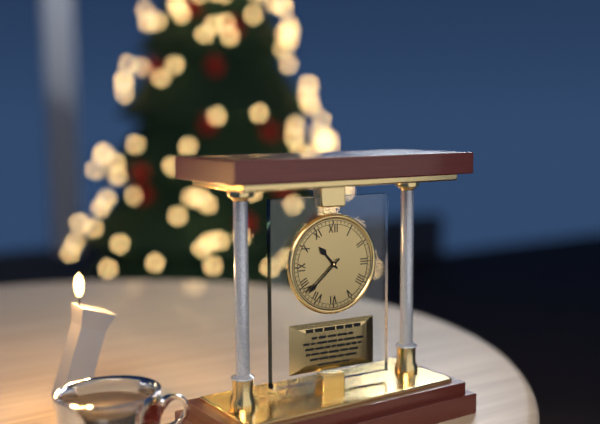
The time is 10:38
